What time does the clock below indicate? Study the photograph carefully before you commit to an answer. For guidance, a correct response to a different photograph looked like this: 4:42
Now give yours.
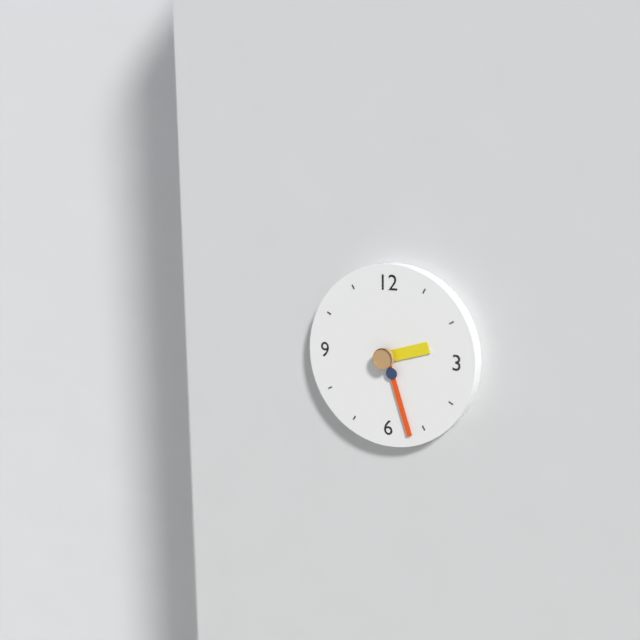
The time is 2:27
